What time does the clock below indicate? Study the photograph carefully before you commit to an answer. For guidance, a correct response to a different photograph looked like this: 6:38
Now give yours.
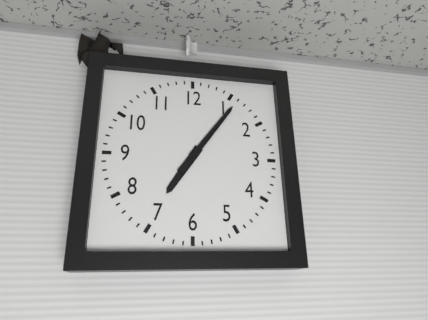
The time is 7:06
